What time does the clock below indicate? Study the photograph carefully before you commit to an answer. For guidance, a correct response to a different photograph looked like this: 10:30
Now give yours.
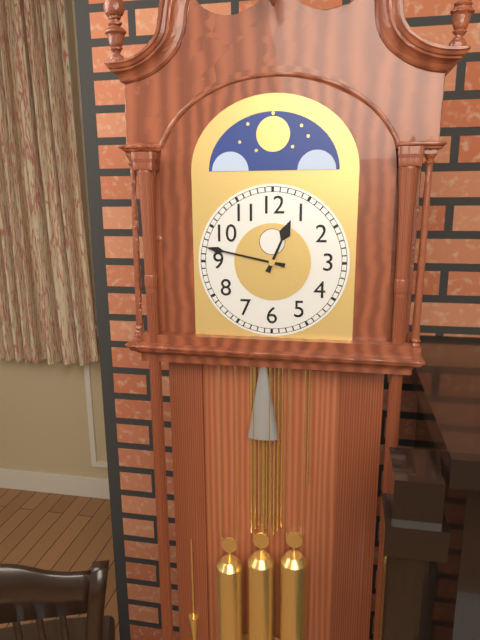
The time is 12:47
